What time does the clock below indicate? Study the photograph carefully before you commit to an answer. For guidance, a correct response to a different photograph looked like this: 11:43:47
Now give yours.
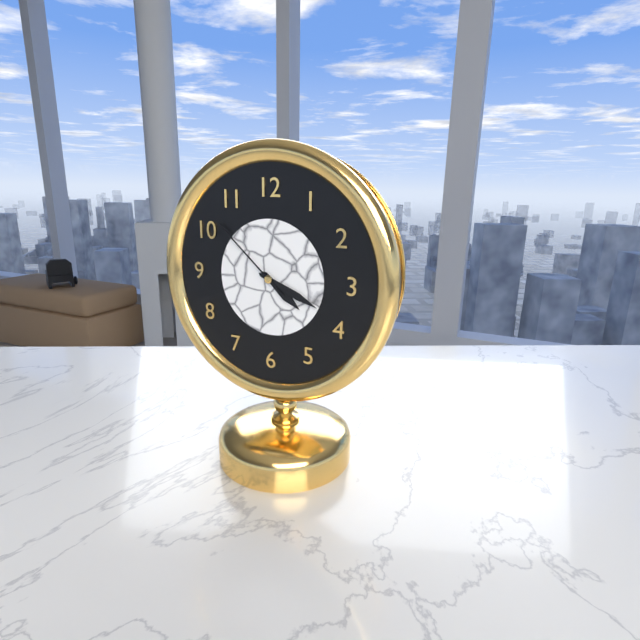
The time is 4:19:52
